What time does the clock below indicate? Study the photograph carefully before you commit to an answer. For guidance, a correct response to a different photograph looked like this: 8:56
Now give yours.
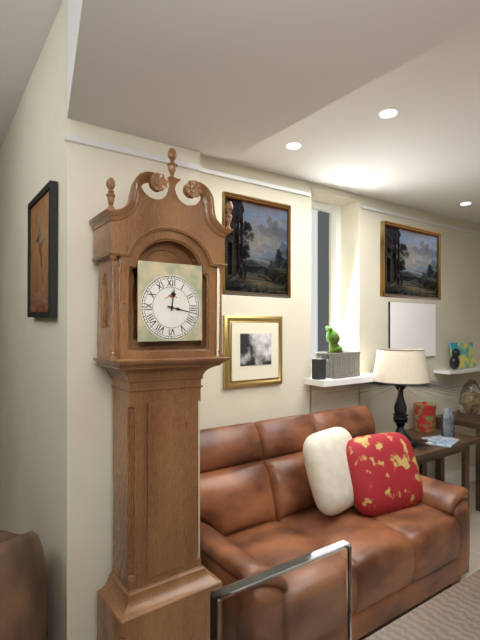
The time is 12:17
